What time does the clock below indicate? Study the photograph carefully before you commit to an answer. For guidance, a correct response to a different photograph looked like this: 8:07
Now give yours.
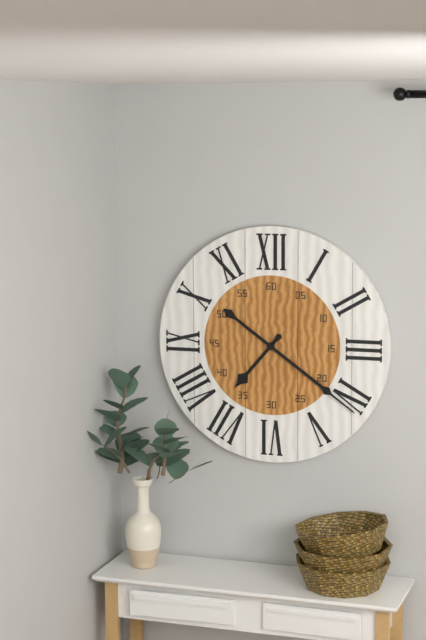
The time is 7:21
